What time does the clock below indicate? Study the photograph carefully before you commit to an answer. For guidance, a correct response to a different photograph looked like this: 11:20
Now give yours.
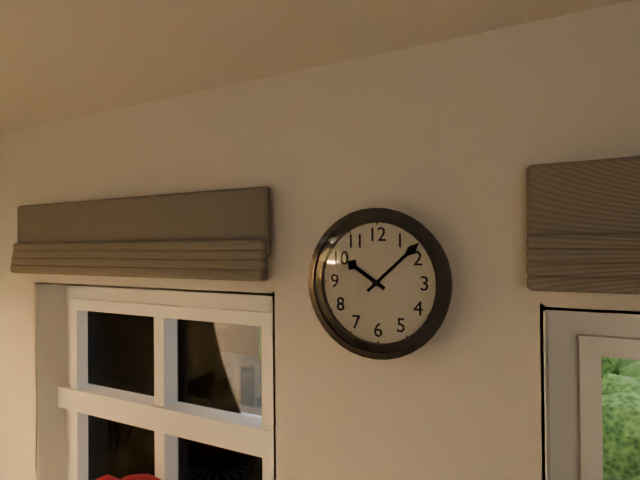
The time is 10:08
